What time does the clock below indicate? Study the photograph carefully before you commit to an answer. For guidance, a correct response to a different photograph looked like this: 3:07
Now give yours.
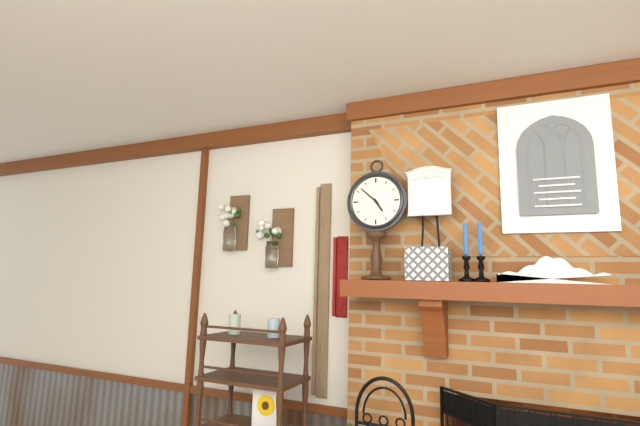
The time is 4:52
